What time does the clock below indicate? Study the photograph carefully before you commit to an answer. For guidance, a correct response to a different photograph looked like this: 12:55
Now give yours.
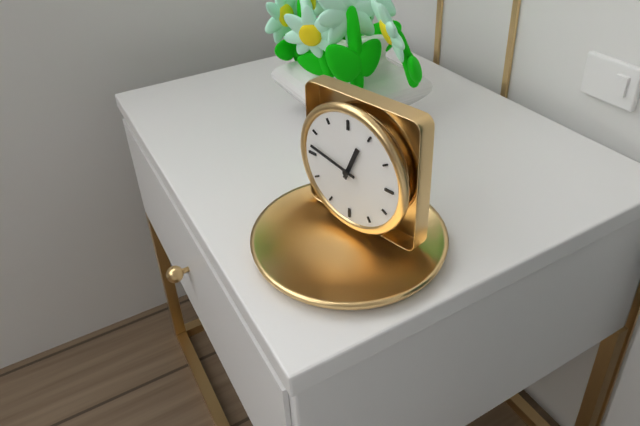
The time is 12:47
